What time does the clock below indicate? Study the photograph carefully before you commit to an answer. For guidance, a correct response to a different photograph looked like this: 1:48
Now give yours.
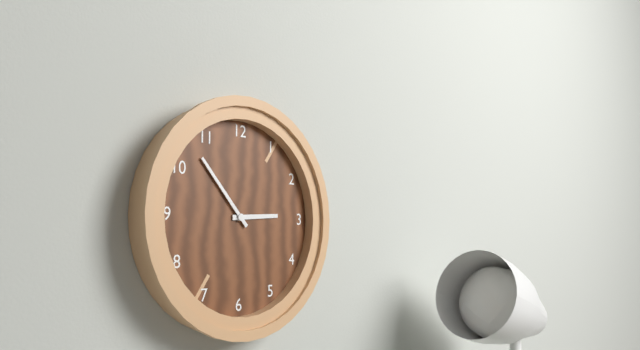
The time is 2:53
